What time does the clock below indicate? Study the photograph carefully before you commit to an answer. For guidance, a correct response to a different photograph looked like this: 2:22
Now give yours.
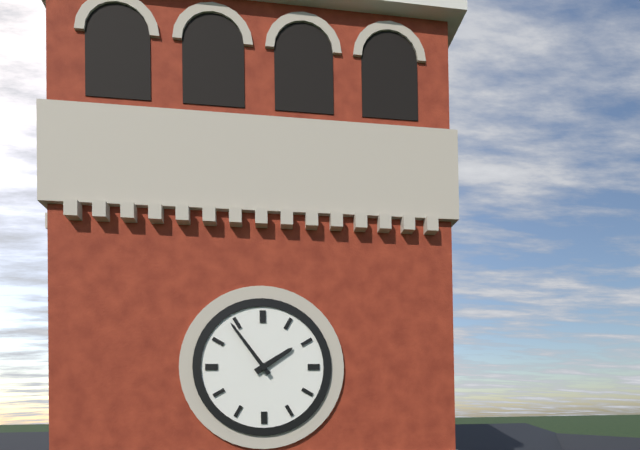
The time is 1:54
